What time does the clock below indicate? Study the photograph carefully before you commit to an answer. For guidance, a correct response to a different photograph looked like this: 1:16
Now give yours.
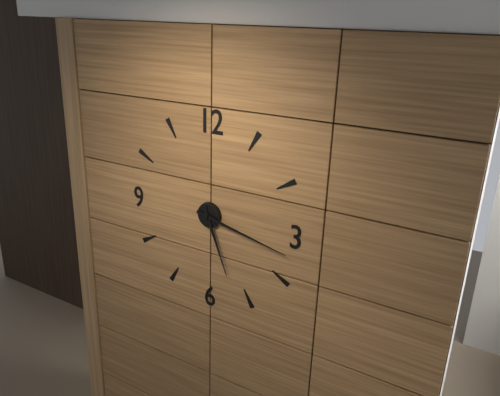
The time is 5:17
